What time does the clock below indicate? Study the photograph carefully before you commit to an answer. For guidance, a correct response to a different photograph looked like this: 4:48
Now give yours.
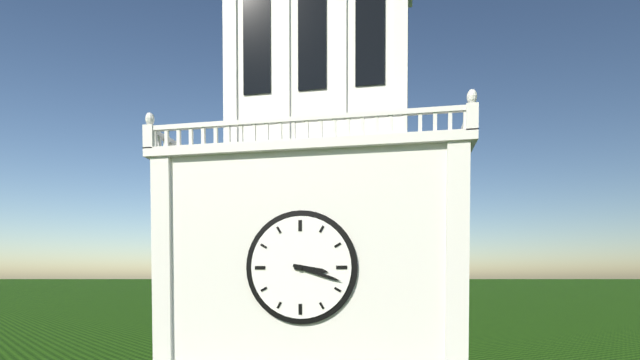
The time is 3:18
